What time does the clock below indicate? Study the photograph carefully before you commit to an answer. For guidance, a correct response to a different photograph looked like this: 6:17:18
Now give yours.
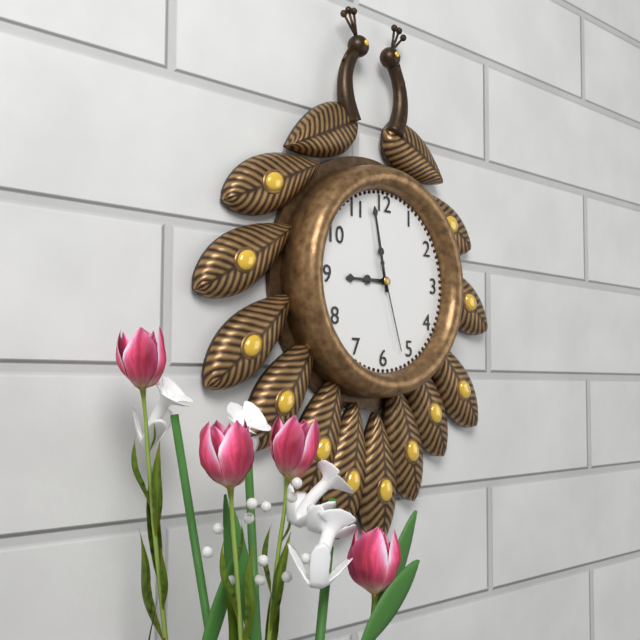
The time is 8:58:27
